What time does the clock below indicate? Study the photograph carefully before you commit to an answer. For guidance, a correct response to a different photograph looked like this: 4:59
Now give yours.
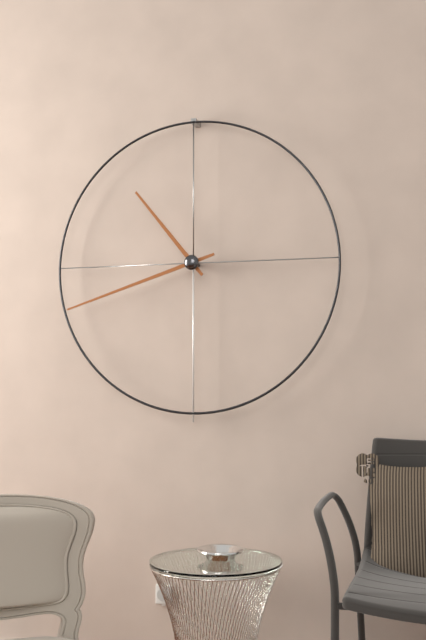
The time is 10:42
